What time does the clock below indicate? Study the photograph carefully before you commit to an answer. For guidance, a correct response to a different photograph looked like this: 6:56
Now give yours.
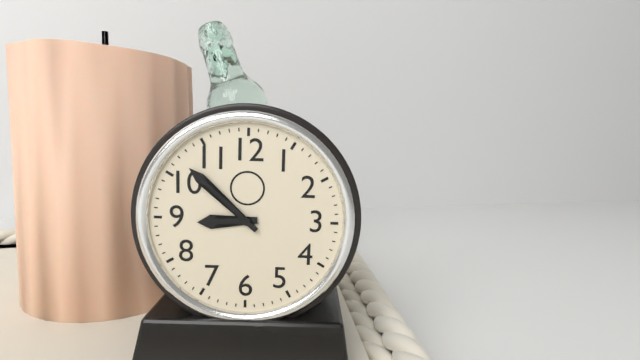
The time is 8:52
